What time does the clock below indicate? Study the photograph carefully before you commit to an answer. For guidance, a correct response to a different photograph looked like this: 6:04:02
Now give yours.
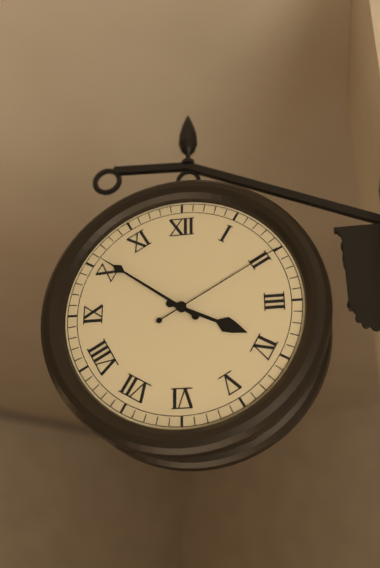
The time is 3:51:10
